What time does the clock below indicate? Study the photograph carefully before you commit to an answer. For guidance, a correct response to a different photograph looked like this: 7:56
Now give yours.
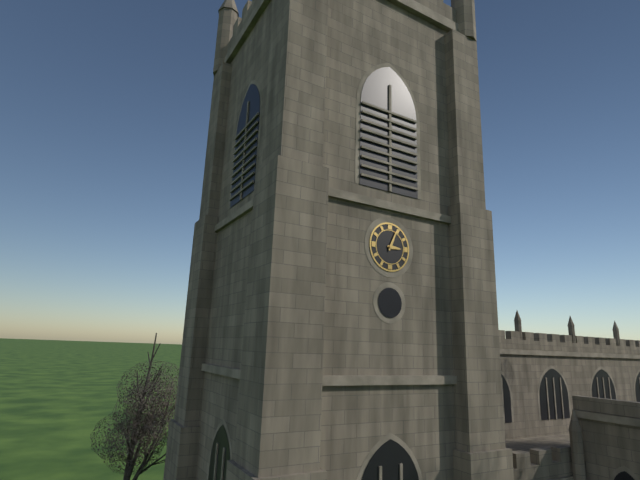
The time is 3:04
